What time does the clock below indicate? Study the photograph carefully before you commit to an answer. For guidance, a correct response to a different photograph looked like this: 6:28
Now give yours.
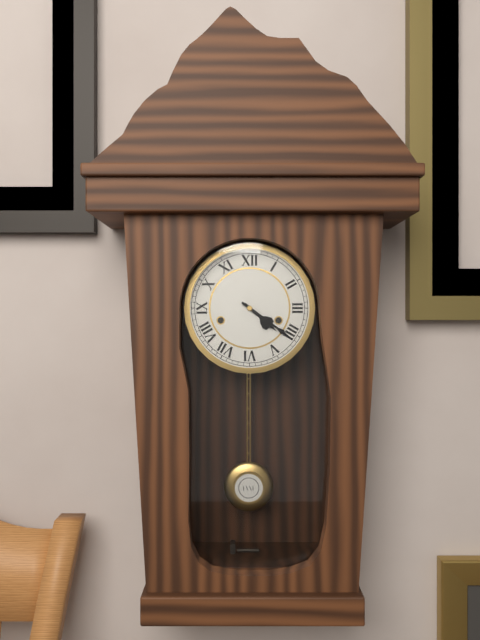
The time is 4:21
